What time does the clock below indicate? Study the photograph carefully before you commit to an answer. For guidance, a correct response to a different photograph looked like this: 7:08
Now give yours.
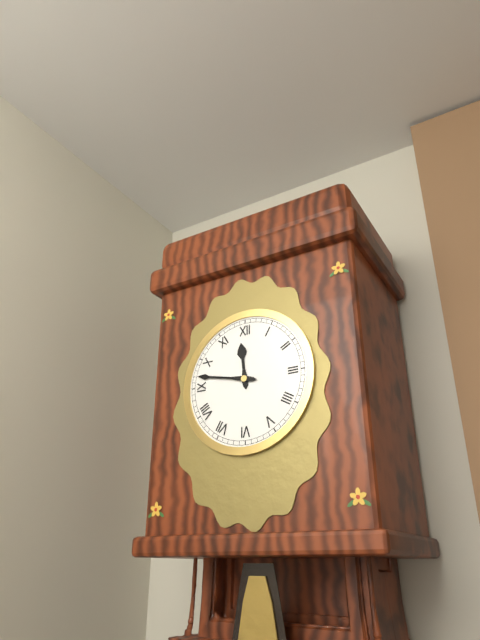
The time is 11:47
